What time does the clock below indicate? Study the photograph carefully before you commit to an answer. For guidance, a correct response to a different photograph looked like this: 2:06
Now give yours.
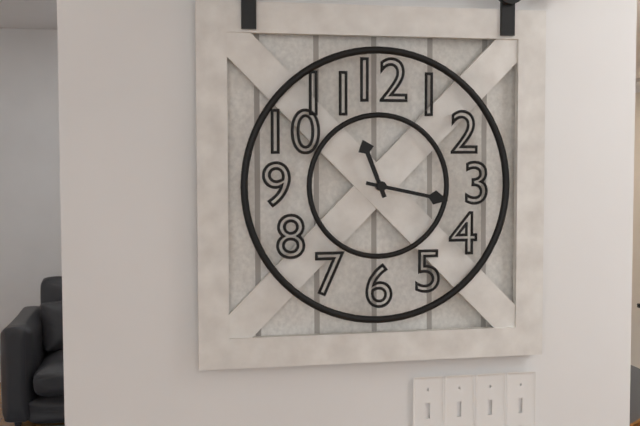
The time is 11:17
